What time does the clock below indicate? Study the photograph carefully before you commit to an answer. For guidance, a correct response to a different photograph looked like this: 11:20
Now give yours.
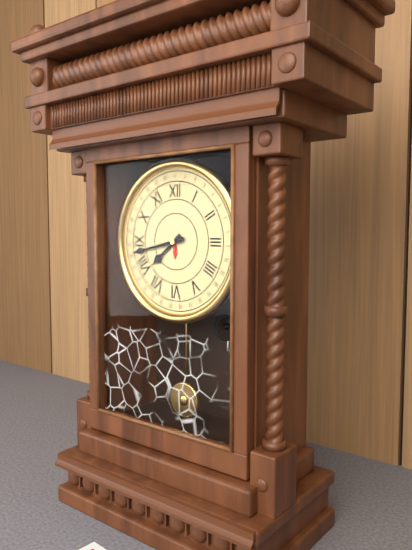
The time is 7:43
